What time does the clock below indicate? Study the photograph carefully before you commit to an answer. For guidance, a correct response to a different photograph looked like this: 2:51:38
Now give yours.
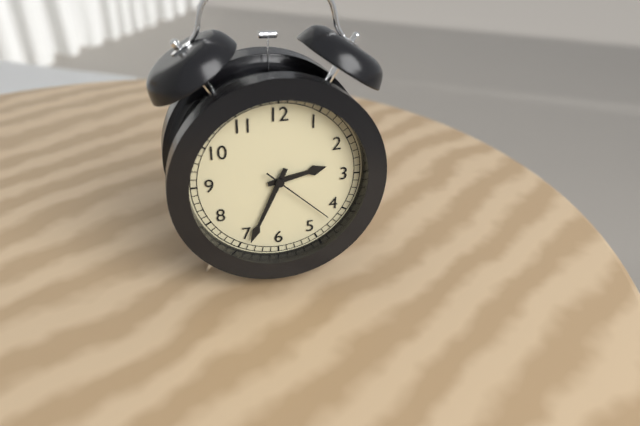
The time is 2:34:22
